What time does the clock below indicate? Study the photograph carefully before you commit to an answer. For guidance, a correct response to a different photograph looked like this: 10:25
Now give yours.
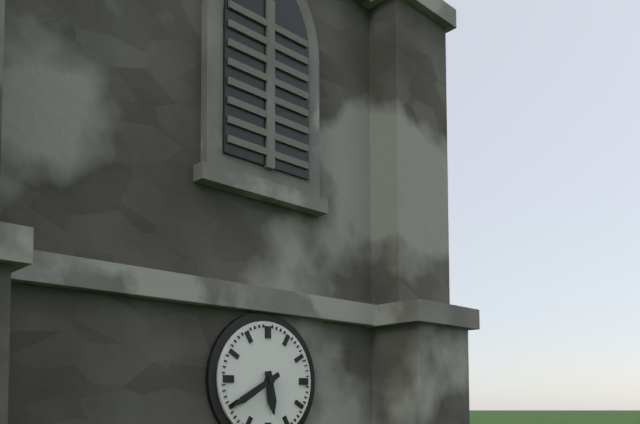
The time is 5:40
